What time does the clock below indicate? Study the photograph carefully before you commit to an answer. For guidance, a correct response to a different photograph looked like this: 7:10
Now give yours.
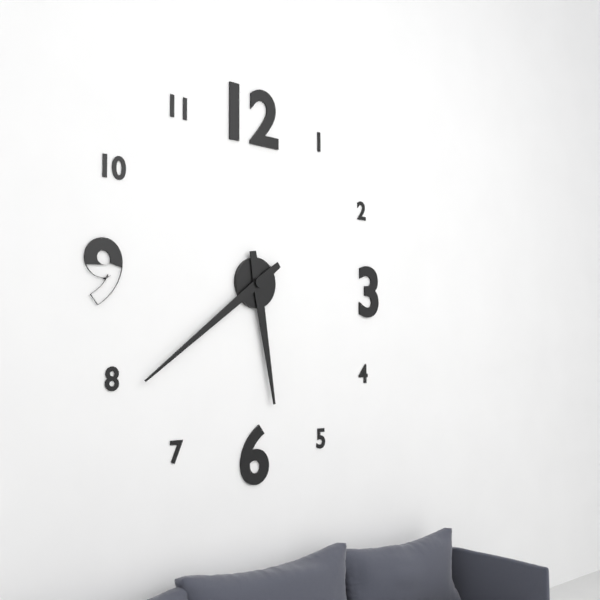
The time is 5:39
